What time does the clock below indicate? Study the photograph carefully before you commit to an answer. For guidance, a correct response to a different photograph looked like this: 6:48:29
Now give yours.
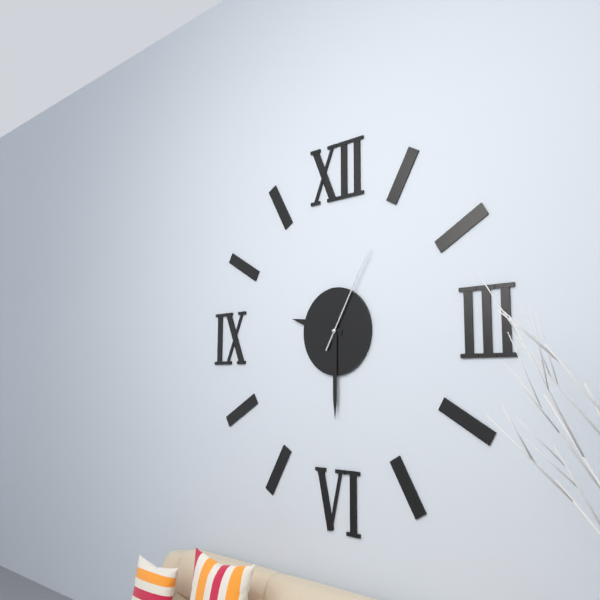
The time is 9:30:05
